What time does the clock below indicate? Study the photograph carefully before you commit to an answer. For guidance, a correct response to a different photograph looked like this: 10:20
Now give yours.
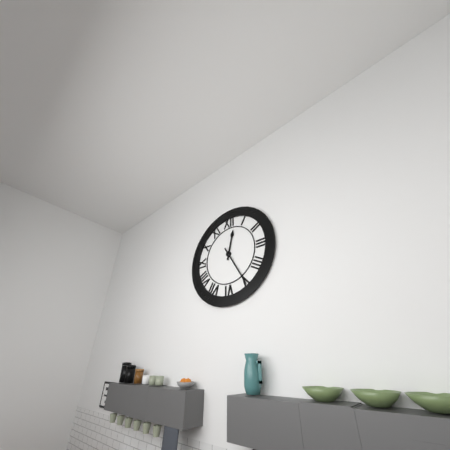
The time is 12:25
